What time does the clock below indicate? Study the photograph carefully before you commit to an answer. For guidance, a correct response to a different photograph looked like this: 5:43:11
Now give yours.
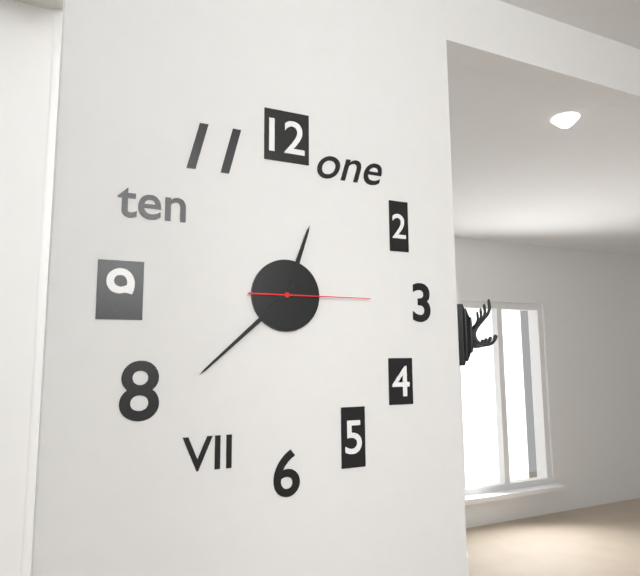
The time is 12:38:15
